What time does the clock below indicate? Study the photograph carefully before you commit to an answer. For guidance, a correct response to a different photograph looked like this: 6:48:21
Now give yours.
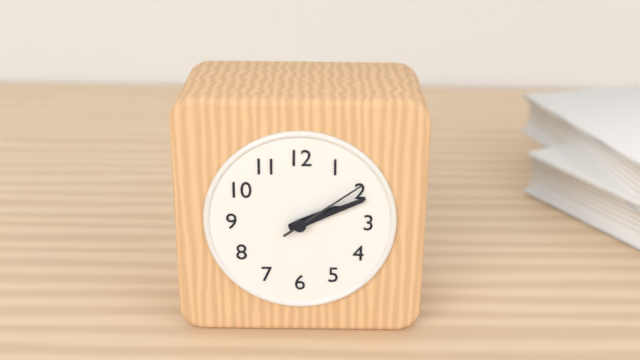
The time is 2:11:09
